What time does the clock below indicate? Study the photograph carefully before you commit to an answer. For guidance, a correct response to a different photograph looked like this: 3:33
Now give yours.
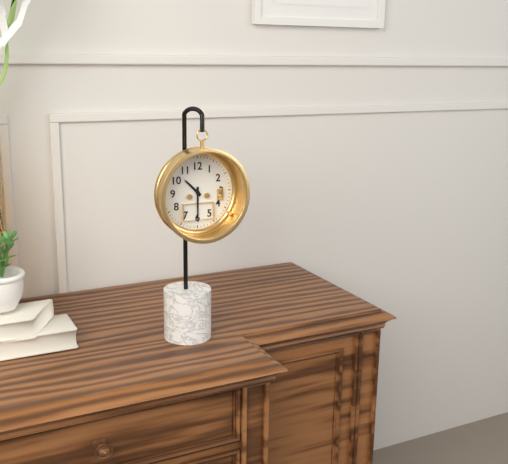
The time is 10:30
